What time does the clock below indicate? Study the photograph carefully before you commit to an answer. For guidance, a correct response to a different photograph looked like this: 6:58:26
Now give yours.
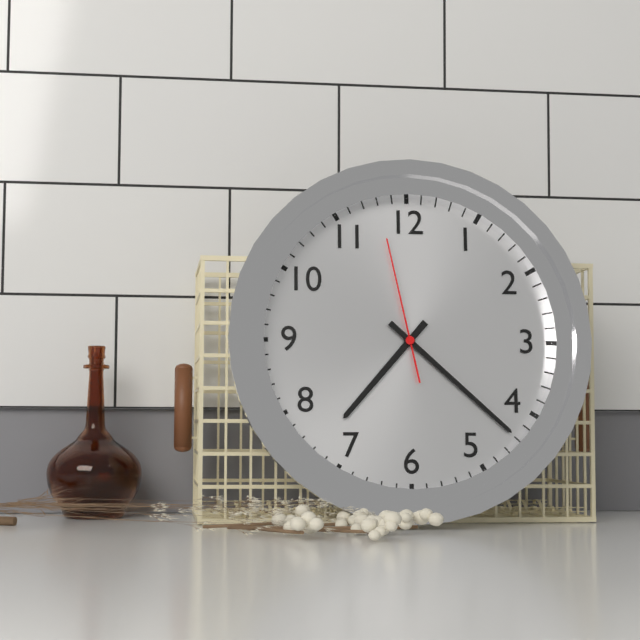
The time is 7:22:58
